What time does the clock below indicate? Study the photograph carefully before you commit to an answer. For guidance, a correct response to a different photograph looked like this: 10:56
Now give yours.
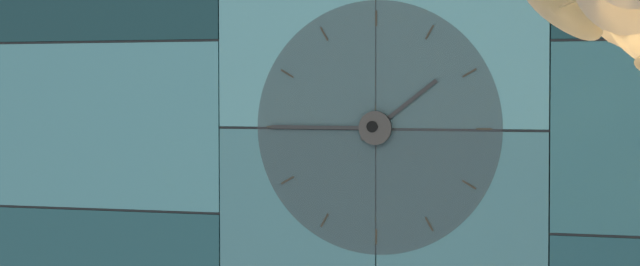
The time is 1:45
